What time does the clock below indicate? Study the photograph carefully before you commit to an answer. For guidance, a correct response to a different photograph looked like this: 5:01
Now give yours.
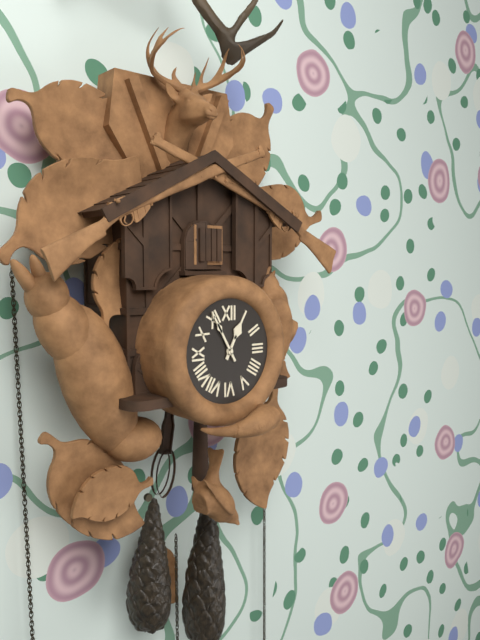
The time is 12:55
